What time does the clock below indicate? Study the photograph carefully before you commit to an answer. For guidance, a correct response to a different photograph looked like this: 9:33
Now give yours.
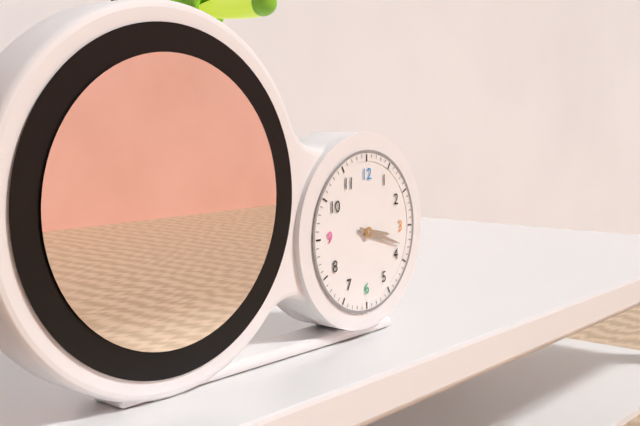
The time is 3:18
